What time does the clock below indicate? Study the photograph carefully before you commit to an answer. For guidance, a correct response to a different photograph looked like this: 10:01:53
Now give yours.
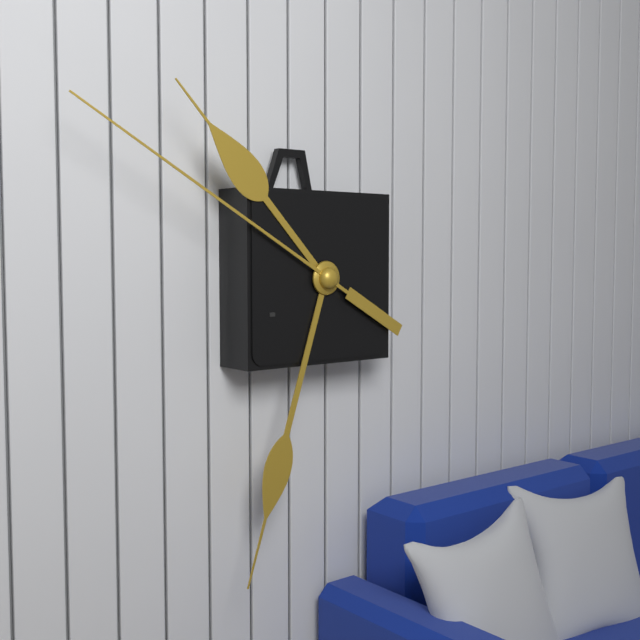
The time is 10:33:50
